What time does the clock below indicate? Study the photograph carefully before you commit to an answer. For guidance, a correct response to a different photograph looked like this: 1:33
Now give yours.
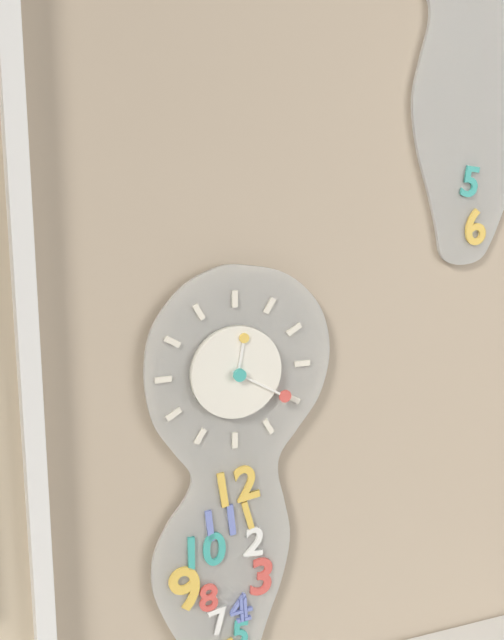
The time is 12:20
